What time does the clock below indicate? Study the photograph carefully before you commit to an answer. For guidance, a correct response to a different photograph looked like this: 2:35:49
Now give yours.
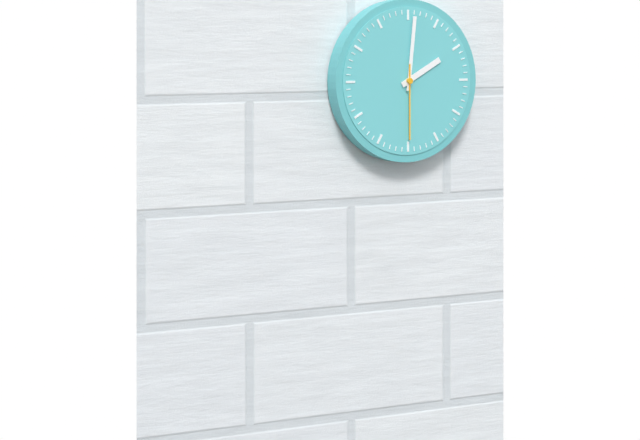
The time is 2:01:30
